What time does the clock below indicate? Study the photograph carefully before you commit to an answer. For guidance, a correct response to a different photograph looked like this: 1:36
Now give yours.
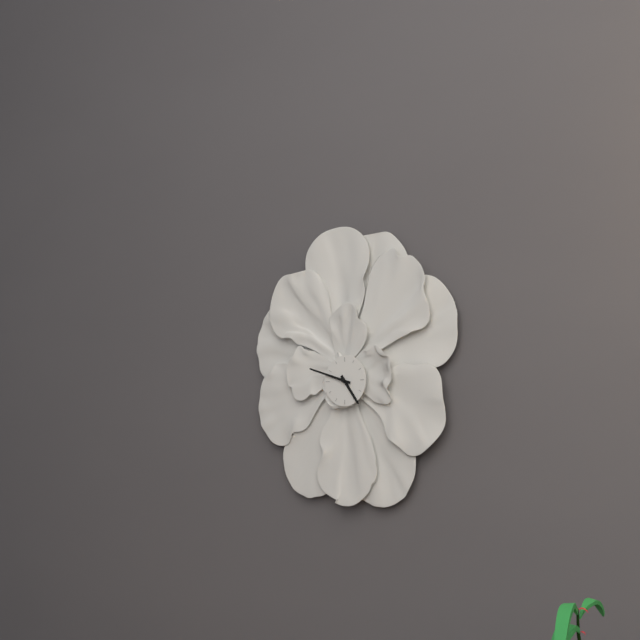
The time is 4:48
